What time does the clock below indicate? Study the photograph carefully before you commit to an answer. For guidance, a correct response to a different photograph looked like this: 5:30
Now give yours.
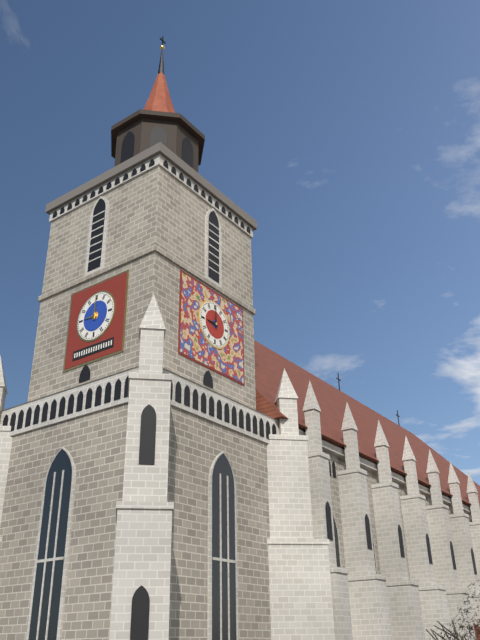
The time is 9:00
